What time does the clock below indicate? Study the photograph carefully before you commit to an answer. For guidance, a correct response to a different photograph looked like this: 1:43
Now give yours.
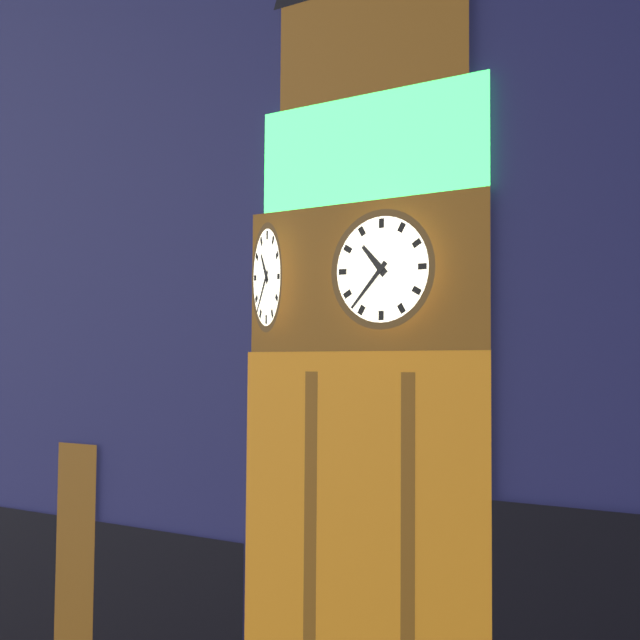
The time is 10:37
